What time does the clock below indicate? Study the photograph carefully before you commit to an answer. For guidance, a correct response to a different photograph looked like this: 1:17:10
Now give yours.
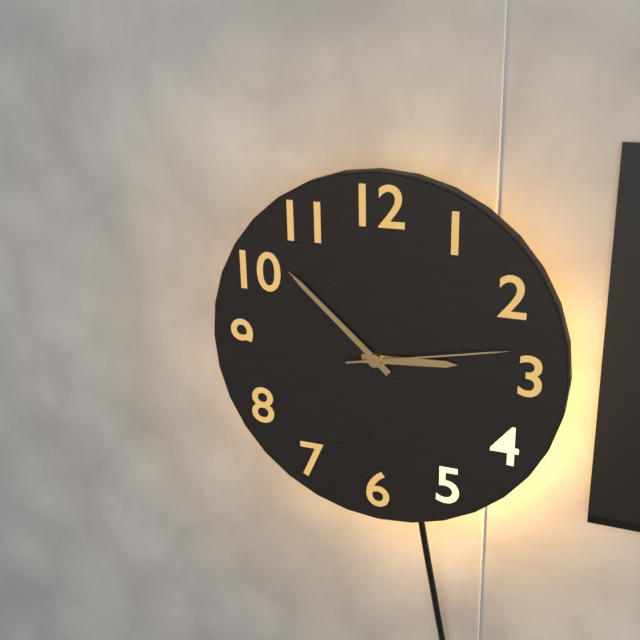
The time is 2:52:13
